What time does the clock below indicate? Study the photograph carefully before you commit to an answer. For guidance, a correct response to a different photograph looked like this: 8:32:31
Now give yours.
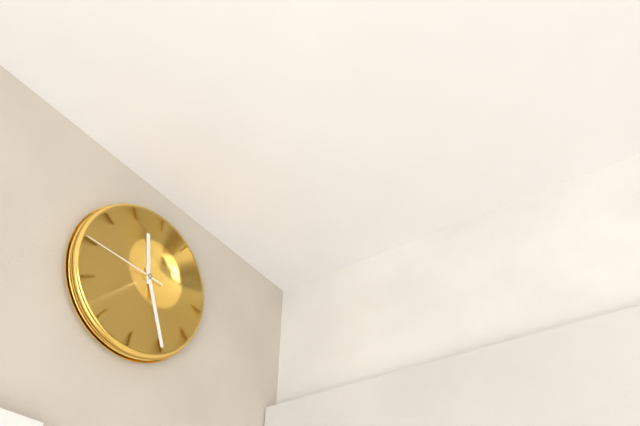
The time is 11:25:45
